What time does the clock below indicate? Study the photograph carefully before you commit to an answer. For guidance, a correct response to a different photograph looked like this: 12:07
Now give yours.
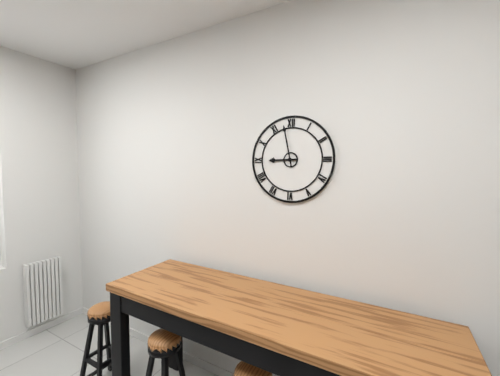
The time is 8:58
